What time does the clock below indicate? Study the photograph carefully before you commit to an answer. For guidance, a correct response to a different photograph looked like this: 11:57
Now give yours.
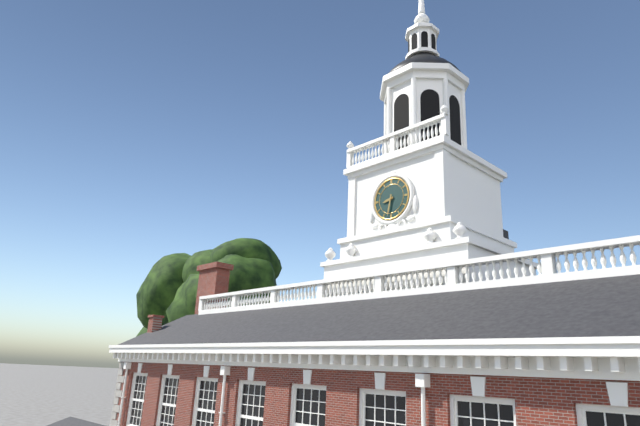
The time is 8:32
